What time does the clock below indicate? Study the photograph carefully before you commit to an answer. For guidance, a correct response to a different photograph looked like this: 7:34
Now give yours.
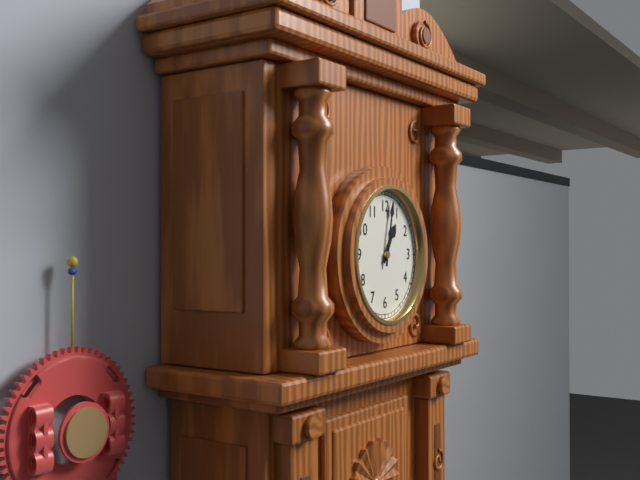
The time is 1:02
